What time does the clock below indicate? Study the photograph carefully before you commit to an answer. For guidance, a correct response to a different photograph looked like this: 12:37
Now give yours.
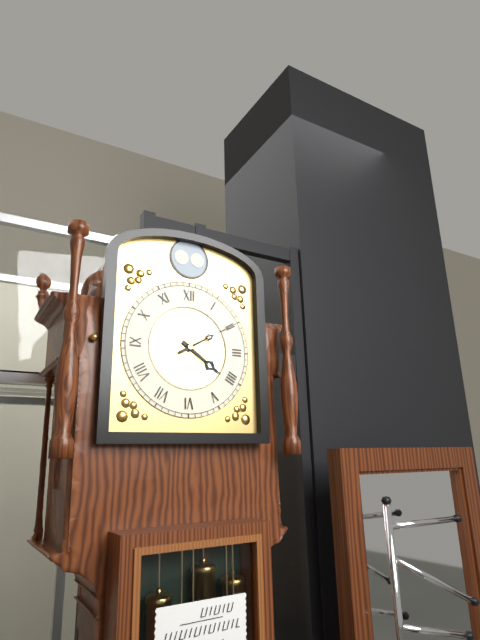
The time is 4:10
